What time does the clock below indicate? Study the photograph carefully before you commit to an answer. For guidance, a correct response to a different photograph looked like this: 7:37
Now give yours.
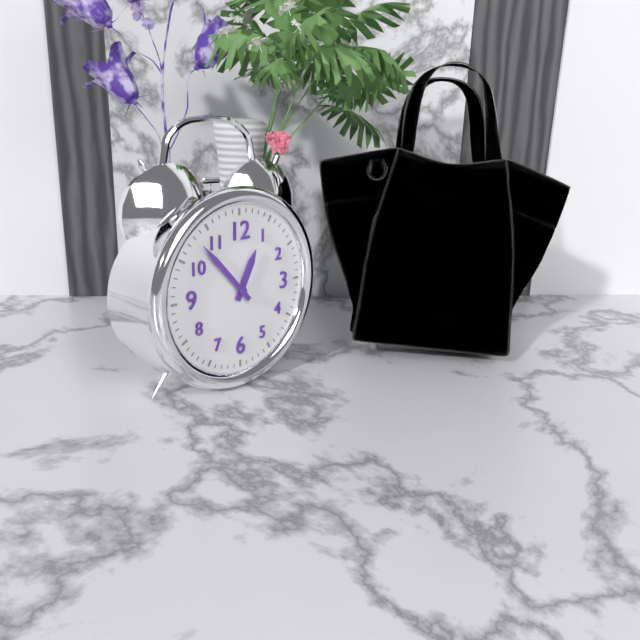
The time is 12:53
